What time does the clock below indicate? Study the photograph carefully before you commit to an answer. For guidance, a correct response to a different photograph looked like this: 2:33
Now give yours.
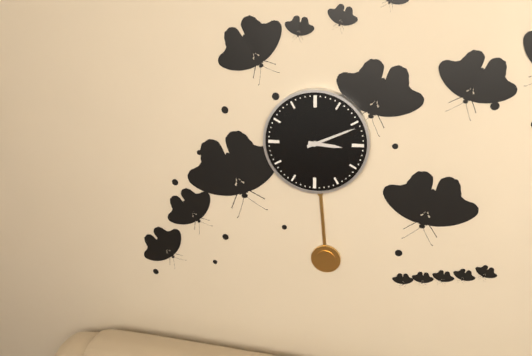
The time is 3:11
